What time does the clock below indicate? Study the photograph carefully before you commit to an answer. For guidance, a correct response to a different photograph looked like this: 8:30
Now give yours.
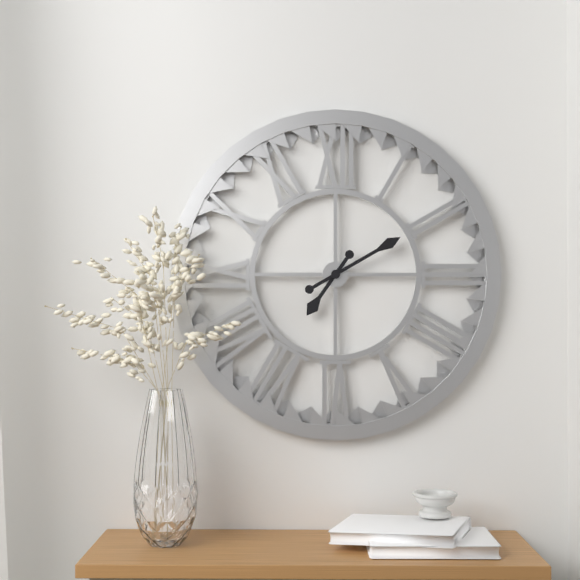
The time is 7:10
